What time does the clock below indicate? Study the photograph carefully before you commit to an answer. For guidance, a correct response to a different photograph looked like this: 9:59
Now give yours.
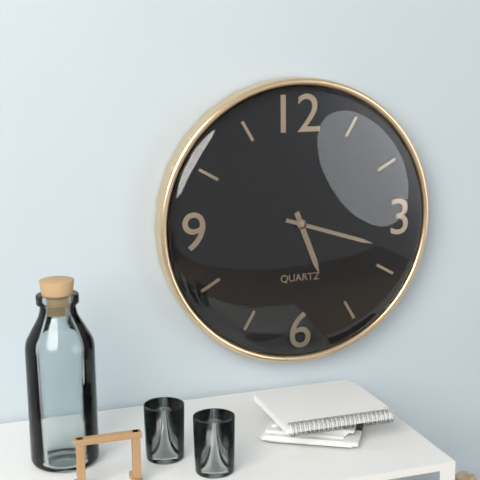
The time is 5:18
